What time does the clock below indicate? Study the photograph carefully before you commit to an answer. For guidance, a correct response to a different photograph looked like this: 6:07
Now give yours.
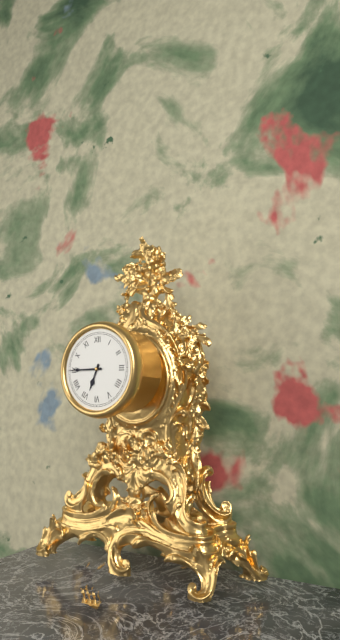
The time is 6:45
